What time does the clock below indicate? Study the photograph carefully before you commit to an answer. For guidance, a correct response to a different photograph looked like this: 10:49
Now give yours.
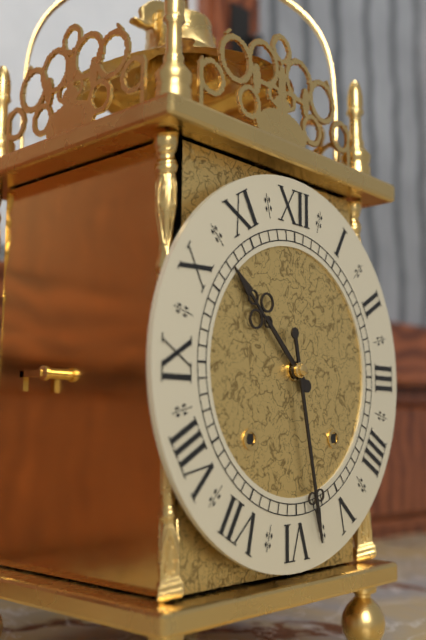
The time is 10:28
